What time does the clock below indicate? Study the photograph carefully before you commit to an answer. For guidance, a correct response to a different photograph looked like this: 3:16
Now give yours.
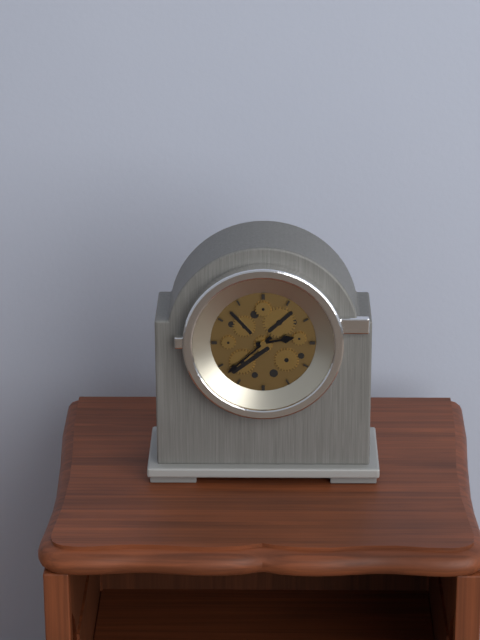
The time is 2:38
